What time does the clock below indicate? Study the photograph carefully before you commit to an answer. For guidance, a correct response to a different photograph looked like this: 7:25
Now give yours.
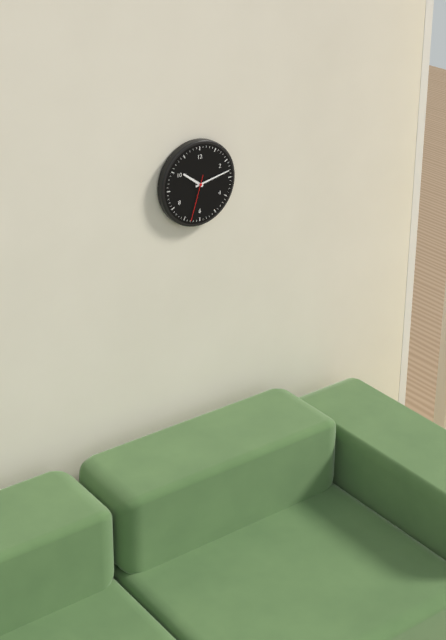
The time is 10:13
